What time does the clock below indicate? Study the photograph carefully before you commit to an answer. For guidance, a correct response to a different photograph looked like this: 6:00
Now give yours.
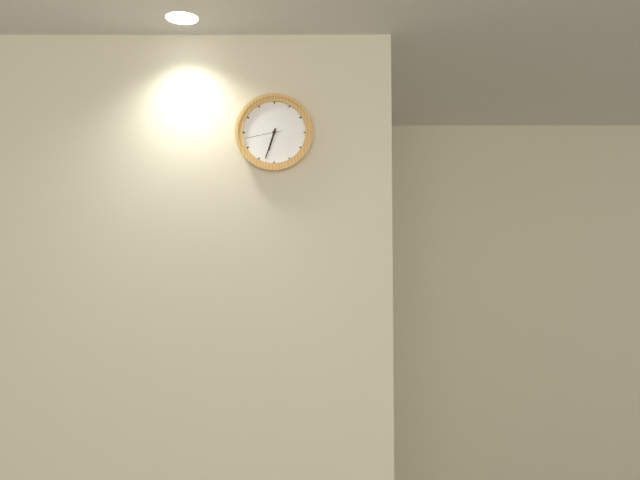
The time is 6:33
